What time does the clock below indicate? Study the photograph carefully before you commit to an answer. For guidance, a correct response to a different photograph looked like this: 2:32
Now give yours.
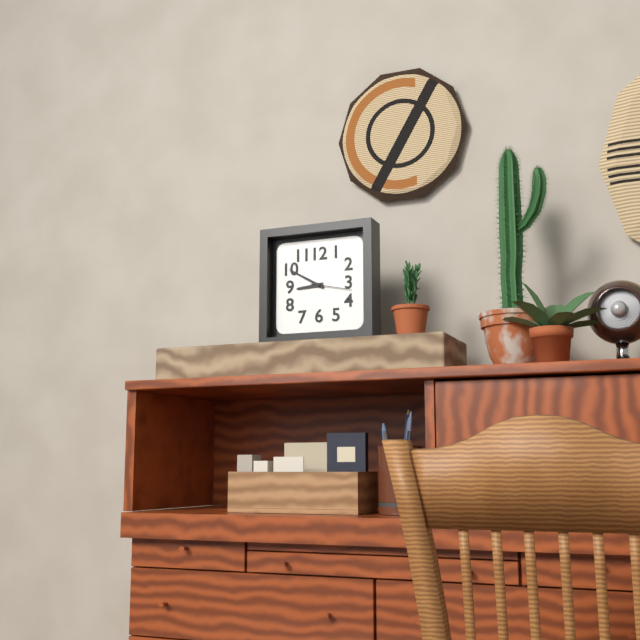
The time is 8:50
